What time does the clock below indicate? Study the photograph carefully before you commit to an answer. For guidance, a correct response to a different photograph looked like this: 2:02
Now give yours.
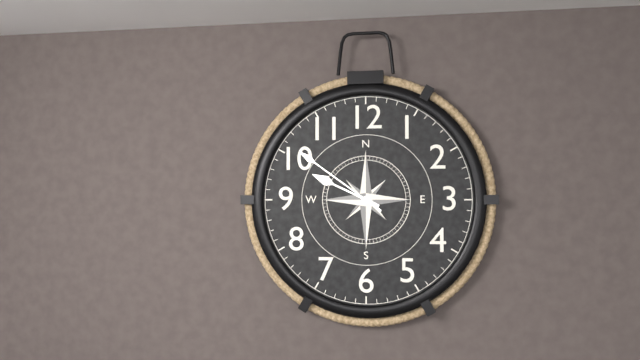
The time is 9:51
